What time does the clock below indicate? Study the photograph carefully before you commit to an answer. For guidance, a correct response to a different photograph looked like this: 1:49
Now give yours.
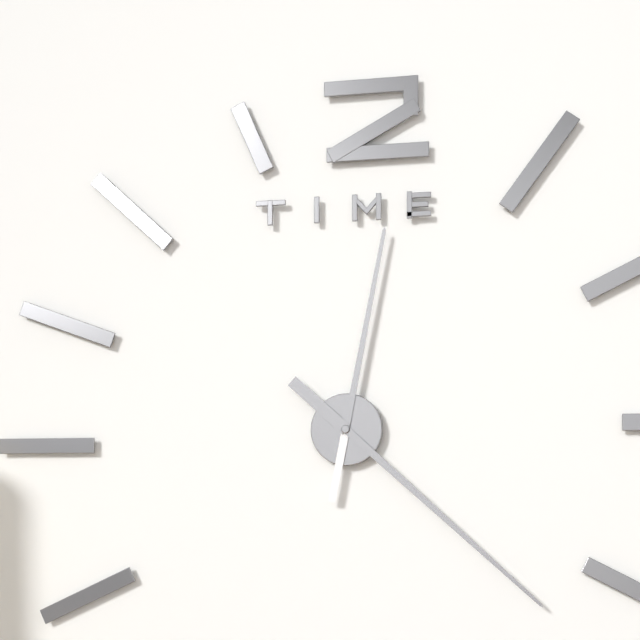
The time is 12:22
